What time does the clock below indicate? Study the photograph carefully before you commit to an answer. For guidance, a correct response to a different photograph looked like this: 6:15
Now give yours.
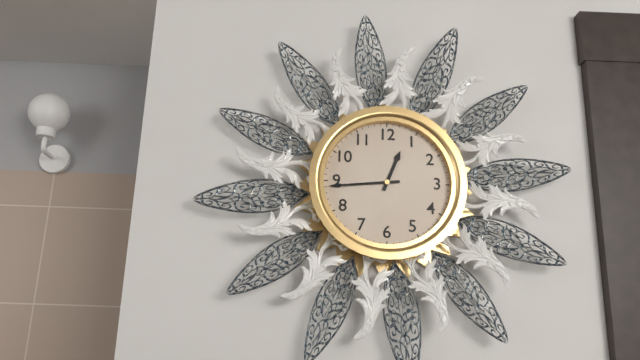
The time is 12:44
